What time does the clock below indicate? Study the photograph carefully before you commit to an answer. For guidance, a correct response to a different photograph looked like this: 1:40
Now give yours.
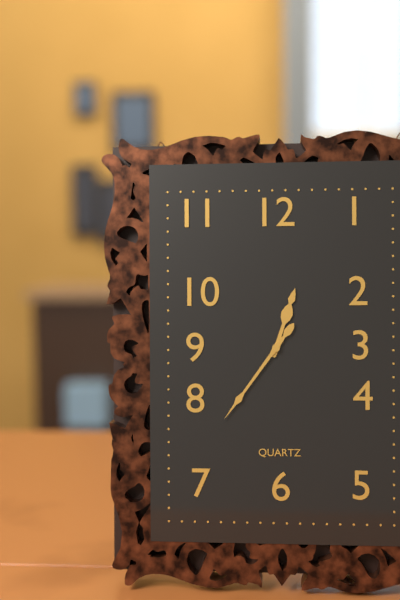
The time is 12:36
